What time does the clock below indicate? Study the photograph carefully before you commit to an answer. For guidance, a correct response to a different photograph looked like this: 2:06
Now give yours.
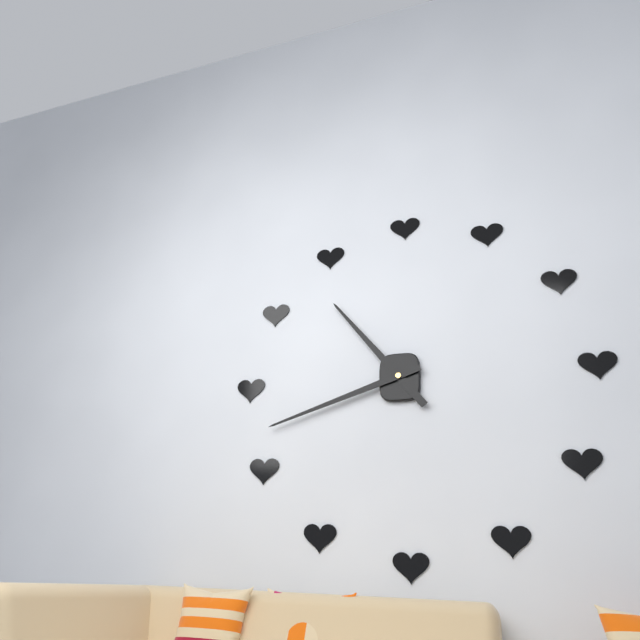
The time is 10:42
